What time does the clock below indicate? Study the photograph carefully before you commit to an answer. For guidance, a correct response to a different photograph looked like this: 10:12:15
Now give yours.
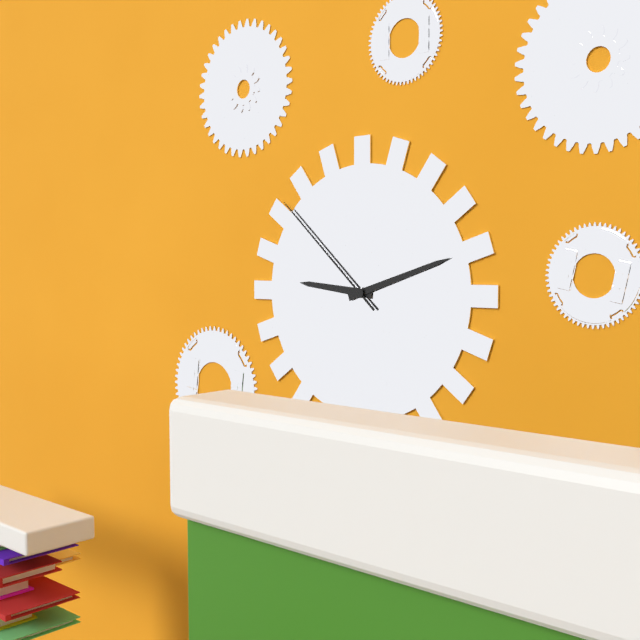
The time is 9:12:52
